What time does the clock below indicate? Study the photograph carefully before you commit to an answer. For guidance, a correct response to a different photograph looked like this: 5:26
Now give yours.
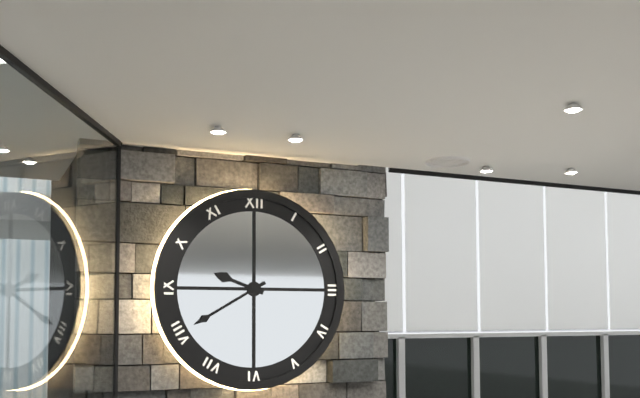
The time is 9:40
